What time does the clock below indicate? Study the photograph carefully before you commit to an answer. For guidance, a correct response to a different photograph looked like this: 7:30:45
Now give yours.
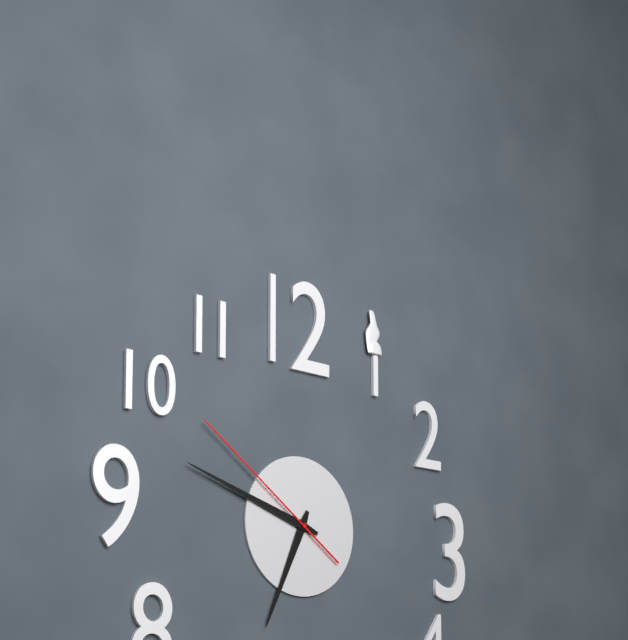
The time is 6:48:51
